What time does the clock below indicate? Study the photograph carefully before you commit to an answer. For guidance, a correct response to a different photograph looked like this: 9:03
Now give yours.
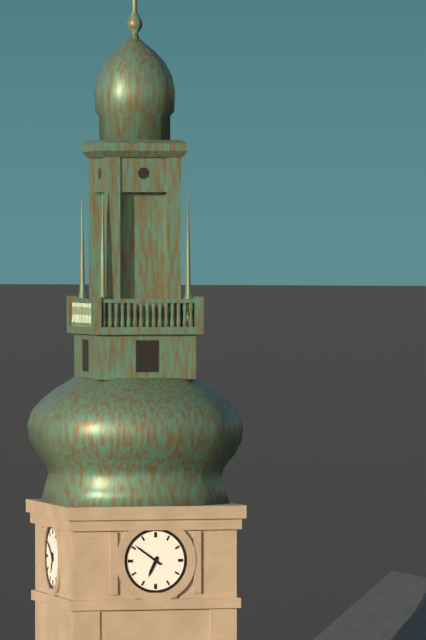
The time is 6:51
